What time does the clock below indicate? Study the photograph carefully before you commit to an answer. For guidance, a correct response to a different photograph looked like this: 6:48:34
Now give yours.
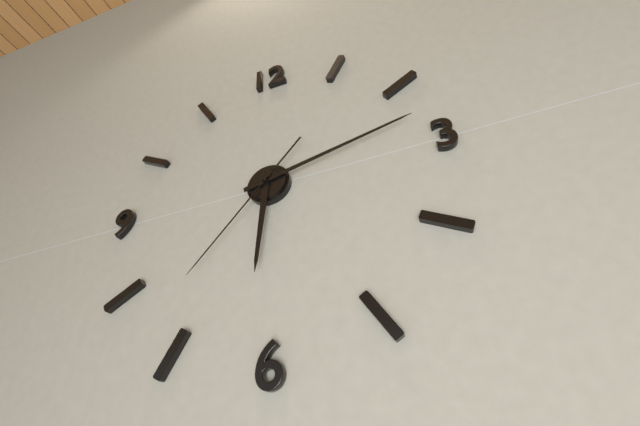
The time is 6:13:37
